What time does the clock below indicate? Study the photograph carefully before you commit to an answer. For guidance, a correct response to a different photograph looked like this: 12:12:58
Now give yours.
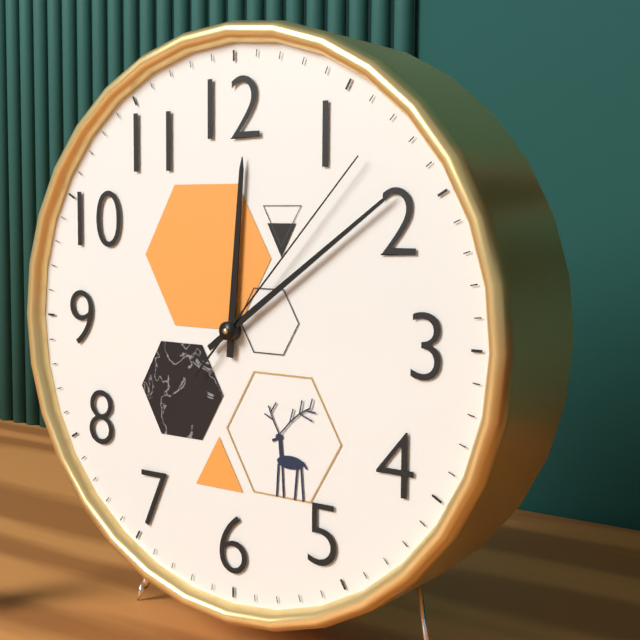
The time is 12:09:07
